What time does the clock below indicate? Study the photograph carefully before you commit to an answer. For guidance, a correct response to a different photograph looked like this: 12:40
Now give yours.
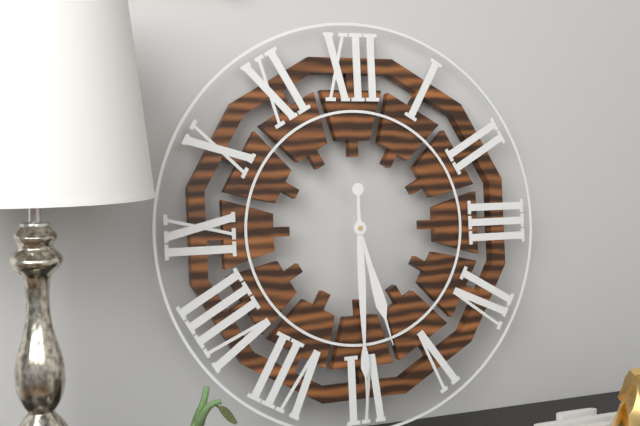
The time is 5:30
